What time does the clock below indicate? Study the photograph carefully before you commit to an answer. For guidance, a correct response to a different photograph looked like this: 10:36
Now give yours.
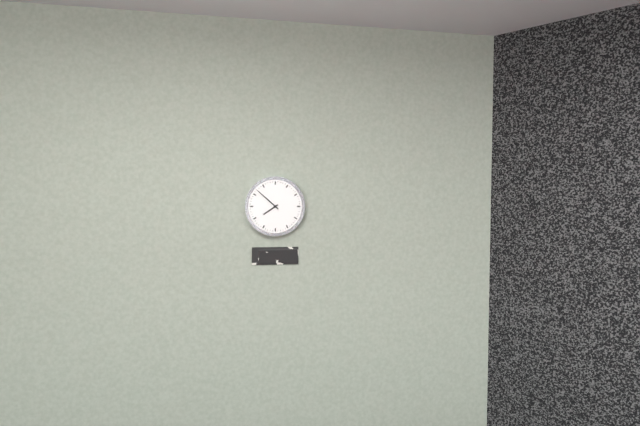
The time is 7:52
